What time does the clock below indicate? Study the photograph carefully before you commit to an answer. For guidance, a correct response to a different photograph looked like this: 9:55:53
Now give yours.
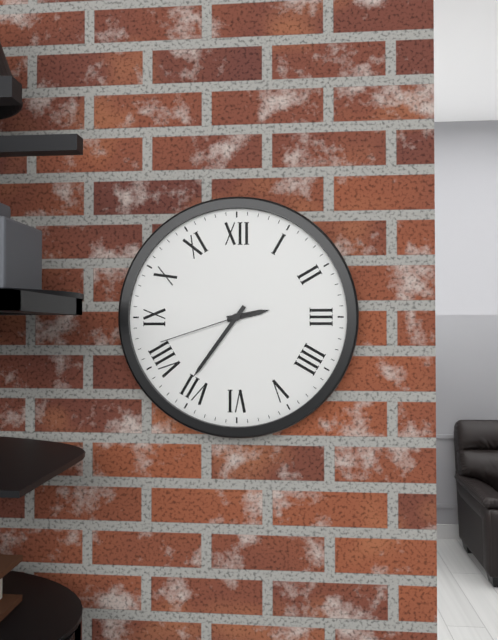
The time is 2:36:42
